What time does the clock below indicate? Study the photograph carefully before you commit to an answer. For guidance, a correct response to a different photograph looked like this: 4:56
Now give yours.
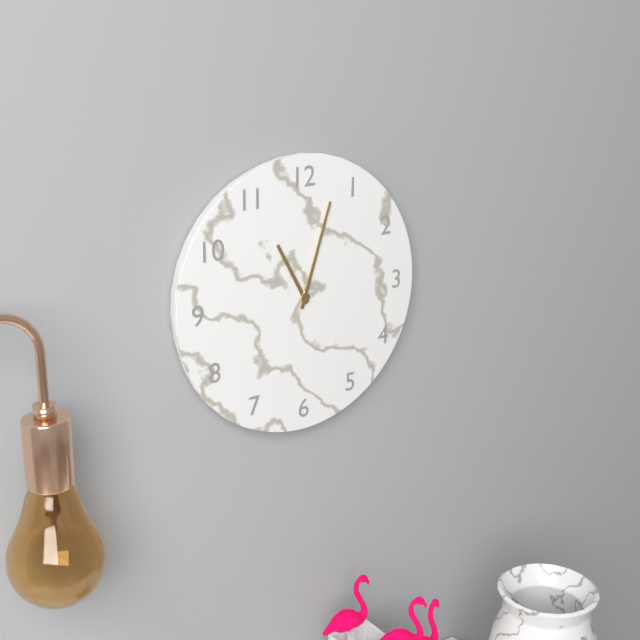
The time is 11:03
